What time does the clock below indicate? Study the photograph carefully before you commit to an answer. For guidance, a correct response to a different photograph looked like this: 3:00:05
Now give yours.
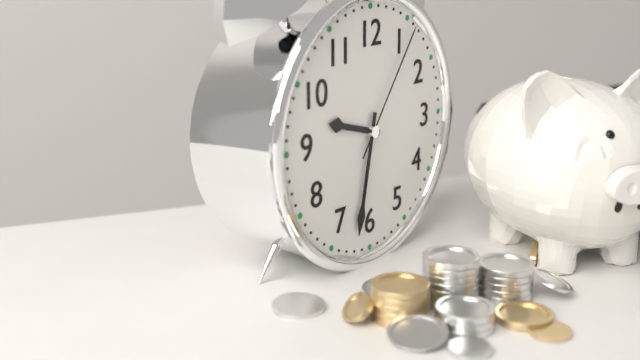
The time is 9:32:06
